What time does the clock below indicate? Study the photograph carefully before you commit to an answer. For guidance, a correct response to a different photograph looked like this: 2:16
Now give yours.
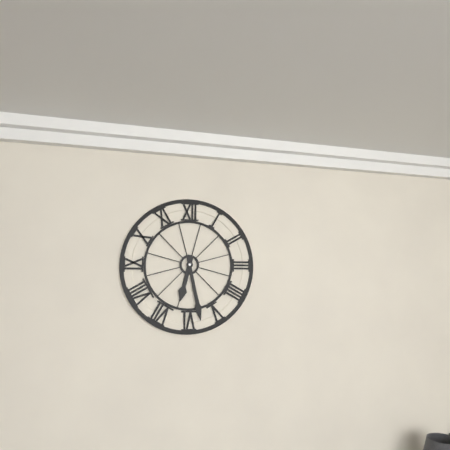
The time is 6:28
